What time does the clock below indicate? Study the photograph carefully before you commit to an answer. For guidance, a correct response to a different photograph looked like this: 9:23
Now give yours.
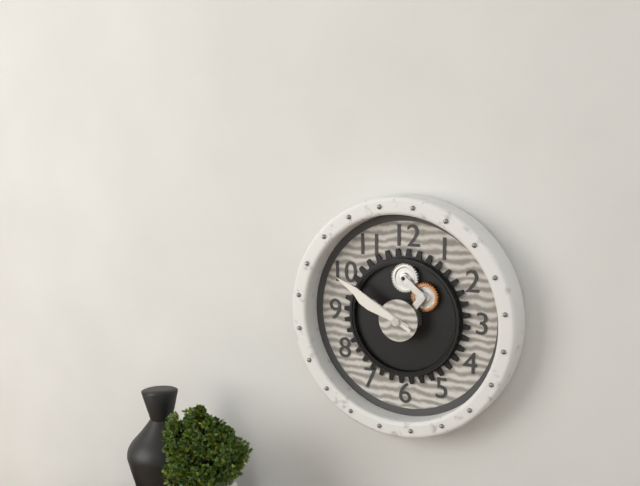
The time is 9:50
